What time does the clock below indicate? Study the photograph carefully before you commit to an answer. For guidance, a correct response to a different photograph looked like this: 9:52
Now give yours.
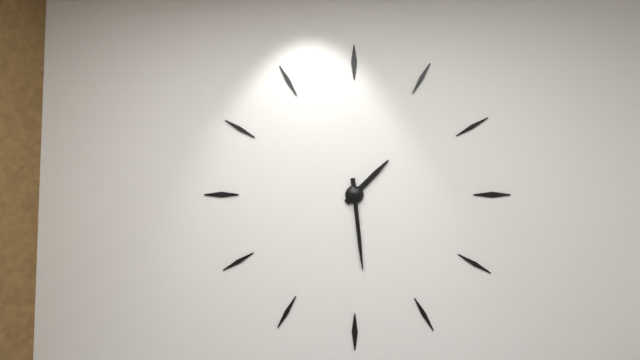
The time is 1:29
